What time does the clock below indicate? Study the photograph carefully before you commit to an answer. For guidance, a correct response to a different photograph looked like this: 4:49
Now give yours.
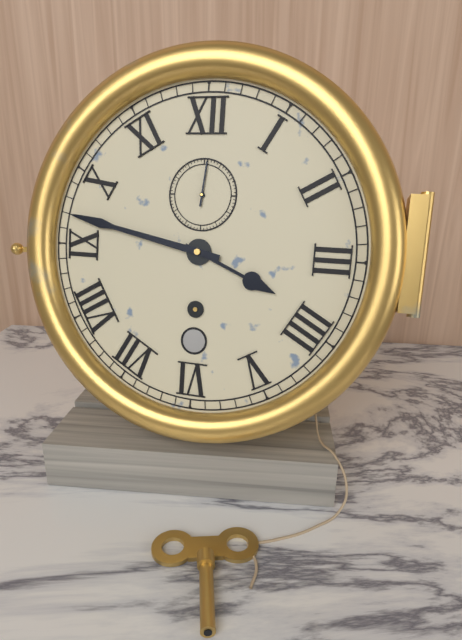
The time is 3:47
